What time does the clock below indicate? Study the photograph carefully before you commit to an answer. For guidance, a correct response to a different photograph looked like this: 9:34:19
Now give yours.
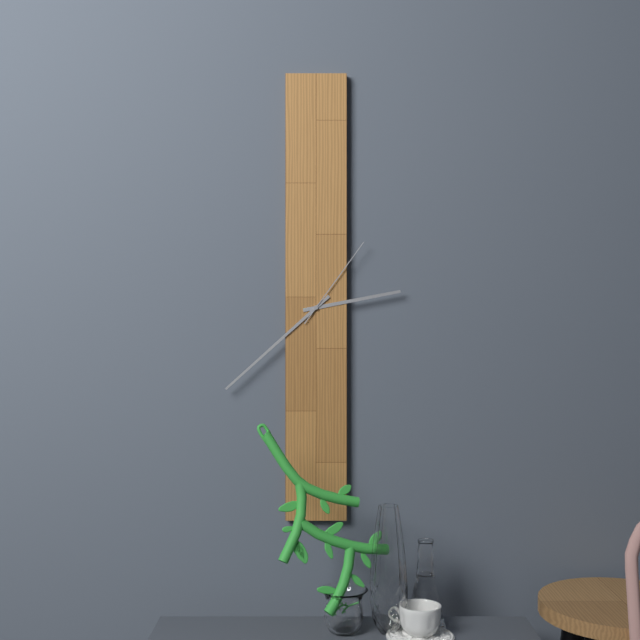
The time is 2:38:06
